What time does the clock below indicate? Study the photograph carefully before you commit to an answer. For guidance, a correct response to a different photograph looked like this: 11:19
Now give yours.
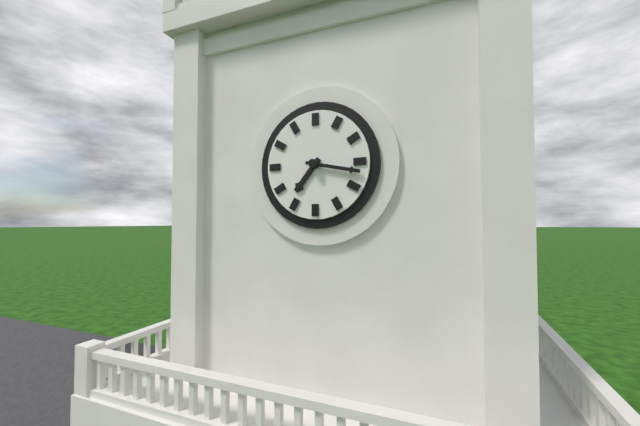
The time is 7:17
